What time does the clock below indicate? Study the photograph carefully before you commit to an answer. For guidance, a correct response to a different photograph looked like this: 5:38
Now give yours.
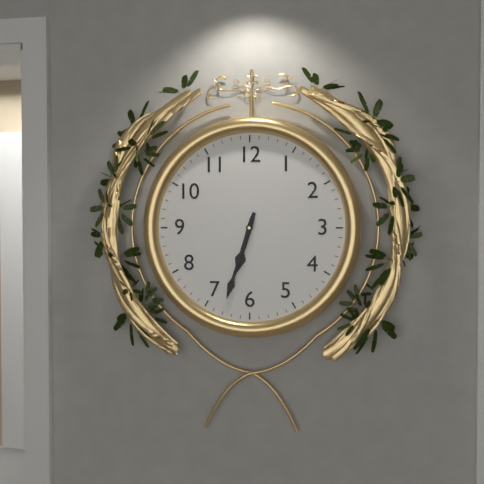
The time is 6:33
